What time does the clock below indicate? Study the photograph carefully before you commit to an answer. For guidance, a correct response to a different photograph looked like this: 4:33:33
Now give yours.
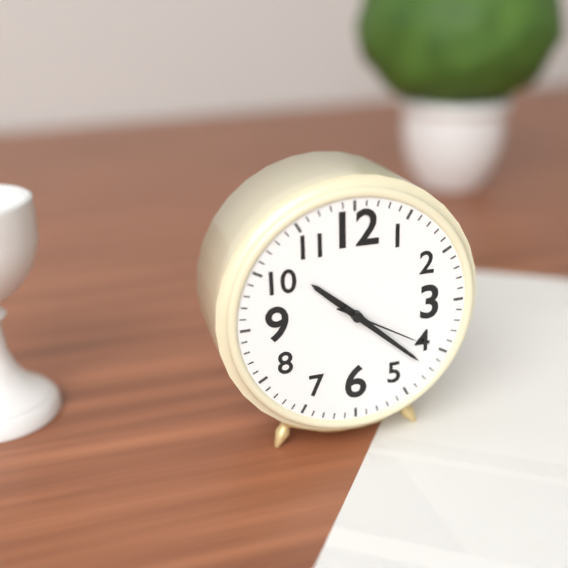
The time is 10:22:20
